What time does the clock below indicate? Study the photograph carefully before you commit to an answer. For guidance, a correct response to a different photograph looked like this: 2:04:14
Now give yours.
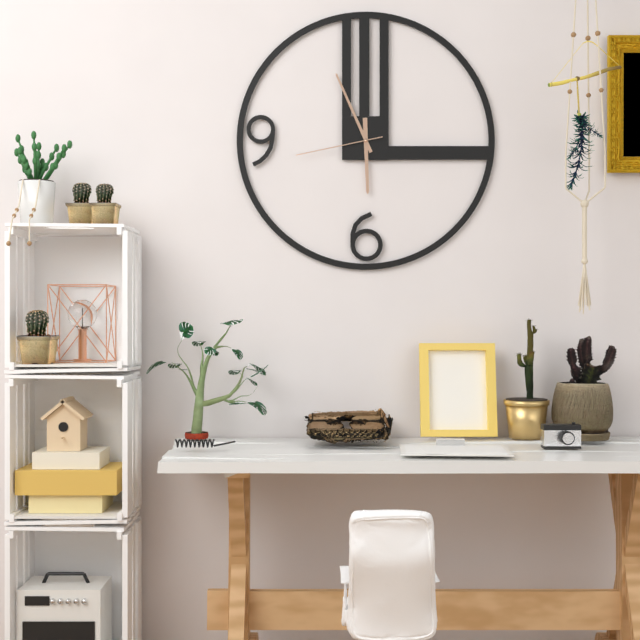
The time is 5:56:43
